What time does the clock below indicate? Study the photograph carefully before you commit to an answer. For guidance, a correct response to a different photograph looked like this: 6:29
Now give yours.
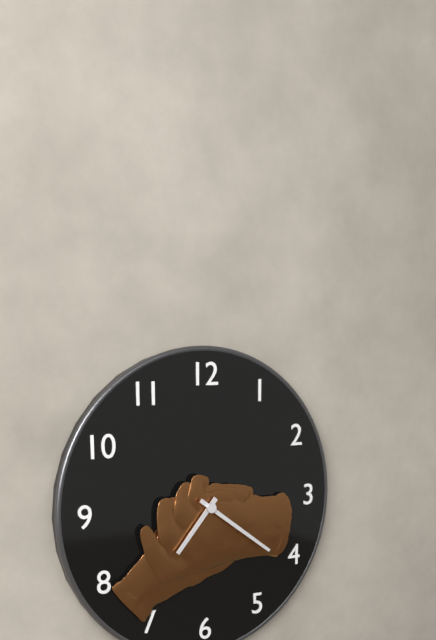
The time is 7:21
